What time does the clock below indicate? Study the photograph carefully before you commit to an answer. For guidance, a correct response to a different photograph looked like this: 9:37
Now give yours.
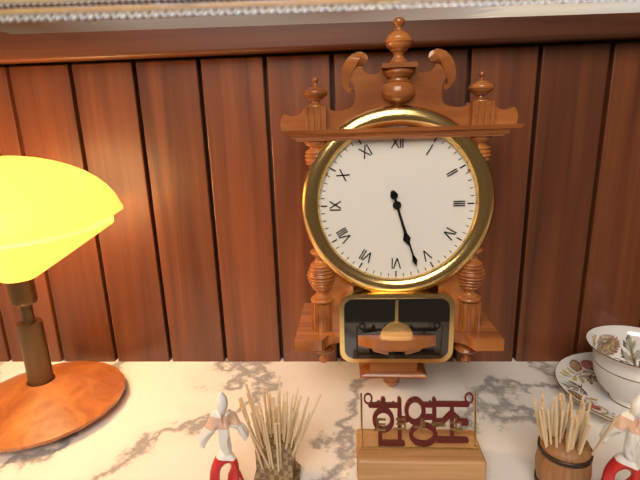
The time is 5:27
